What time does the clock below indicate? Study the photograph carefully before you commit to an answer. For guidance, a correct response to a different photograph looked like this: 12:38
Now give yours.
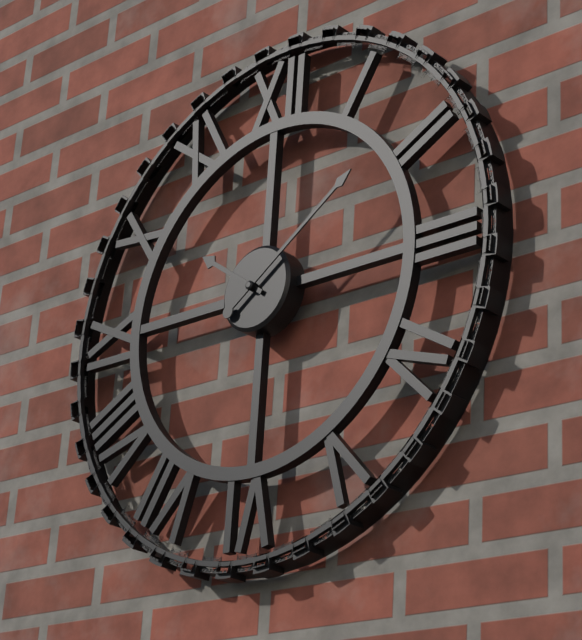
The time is 10:09
